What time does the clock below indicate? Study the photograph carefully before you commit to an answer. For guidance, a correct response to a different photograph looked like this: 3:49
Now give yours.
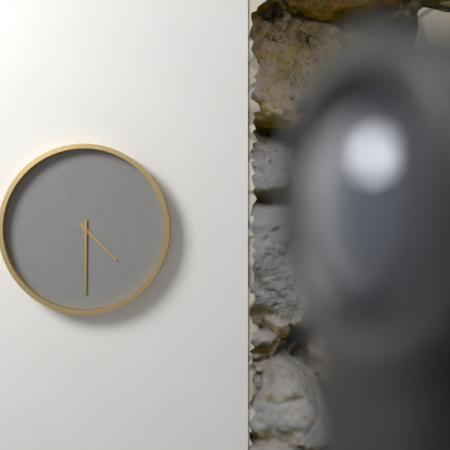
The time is 4:30
